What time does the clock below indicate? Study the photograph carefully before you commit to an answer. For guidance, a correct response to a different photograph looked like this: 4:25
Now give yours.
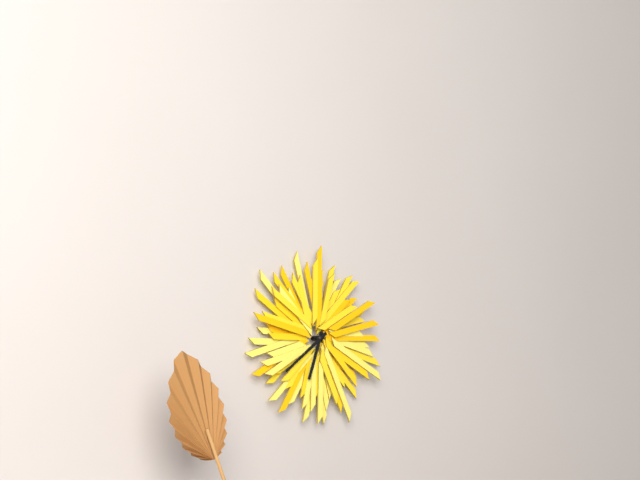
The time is 6:39
